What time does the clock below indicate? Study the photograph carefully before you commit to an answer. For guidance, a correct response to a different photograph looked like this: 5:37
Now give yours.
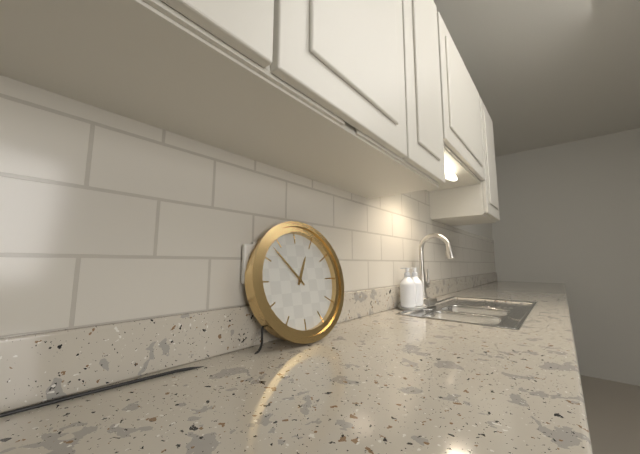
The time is 12:53
